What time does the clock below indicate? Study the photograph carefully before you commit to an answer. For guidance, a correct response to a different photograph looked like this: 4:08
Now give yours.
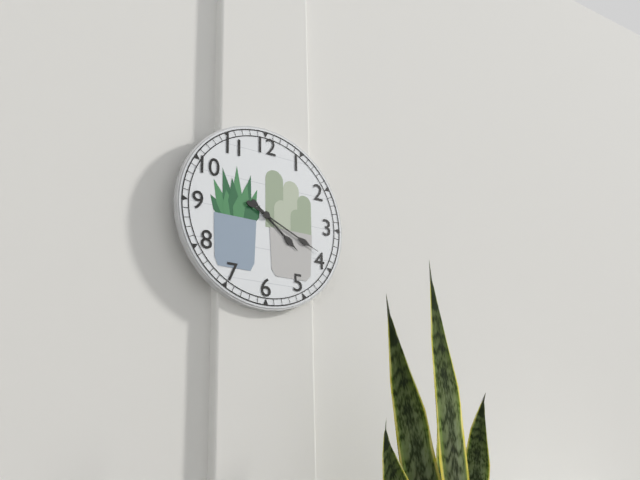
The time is 4:19
